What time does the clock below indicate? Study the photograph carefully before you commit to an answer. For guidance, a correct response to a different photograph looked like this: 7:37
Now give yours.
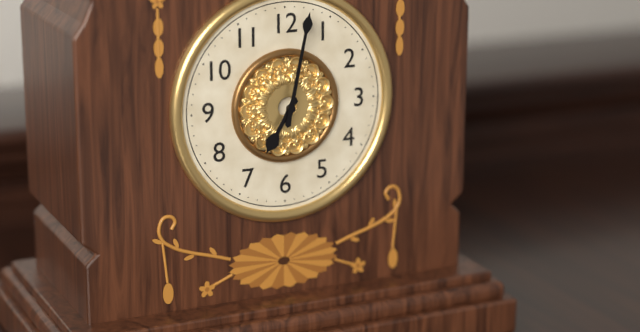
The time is 7:02
